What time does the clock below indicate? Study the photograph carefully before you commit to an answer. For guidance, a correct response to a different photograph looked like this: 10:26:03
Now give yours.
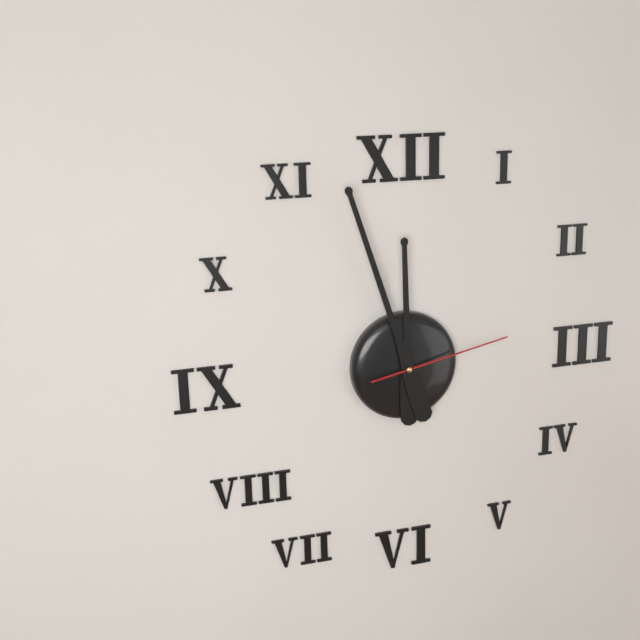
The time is 11:57:13
